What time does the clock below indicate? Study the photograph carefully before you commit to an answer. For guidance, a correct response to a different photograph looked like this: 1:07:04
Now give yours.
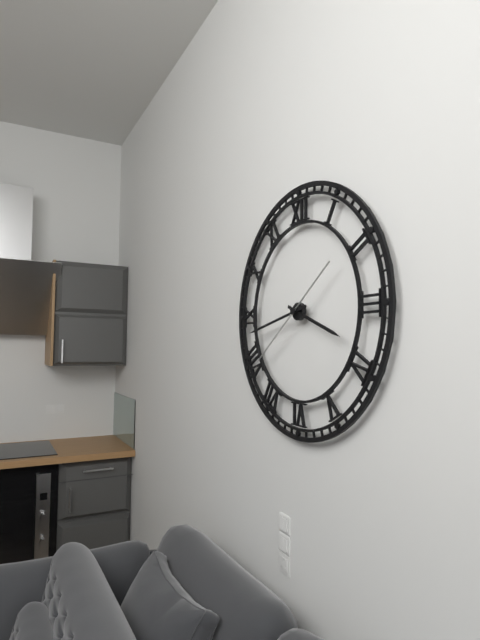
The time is 3:43:39
